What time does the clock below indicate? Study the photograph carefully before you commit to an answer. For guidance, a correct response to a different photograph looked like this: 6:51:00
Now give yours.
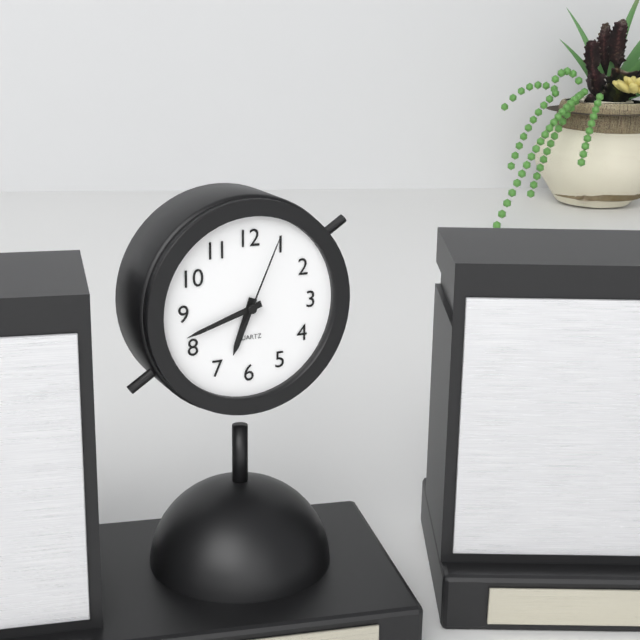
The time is 6:42:04
